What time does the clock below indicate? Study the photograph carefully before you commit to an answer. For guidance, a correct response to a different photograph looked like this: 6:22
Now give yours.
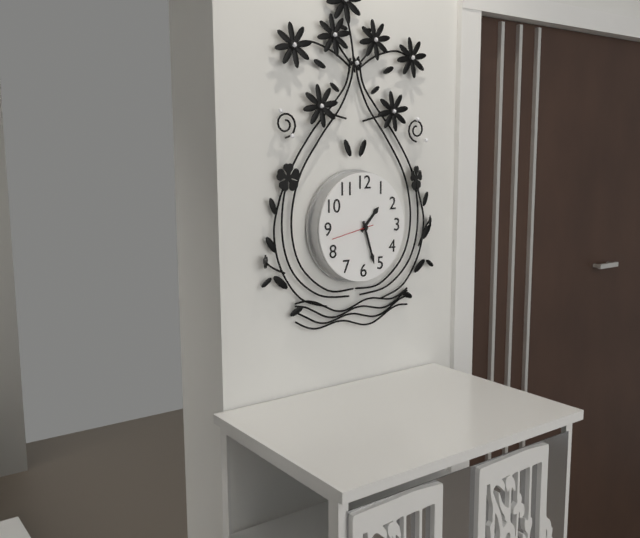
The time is 1:27
